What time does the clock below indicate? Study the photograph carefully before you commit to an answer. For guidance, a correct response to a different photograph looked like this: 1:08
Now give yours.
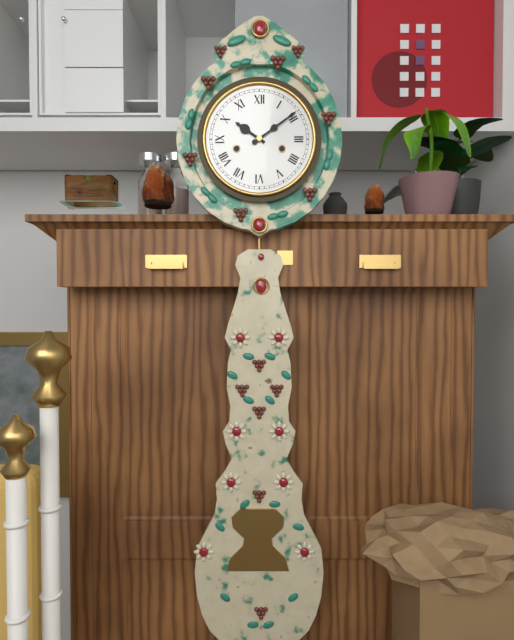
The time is 10:09
